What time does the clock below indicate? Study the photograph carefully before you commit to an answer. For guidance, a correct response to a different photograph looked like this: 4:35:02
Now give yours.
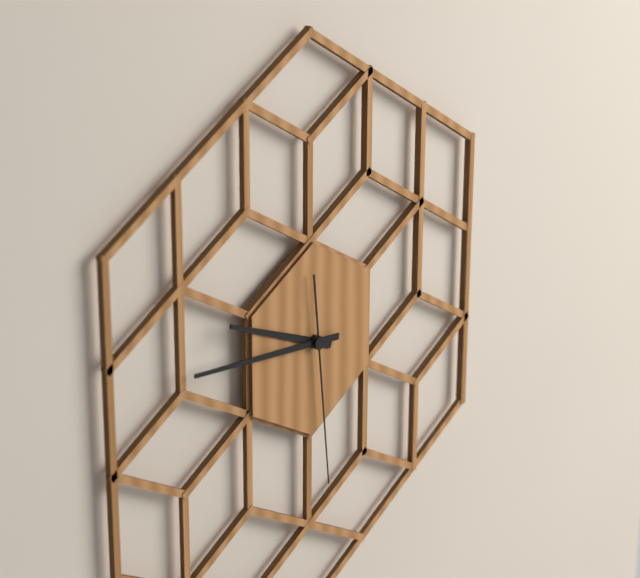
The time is 9:46:29
